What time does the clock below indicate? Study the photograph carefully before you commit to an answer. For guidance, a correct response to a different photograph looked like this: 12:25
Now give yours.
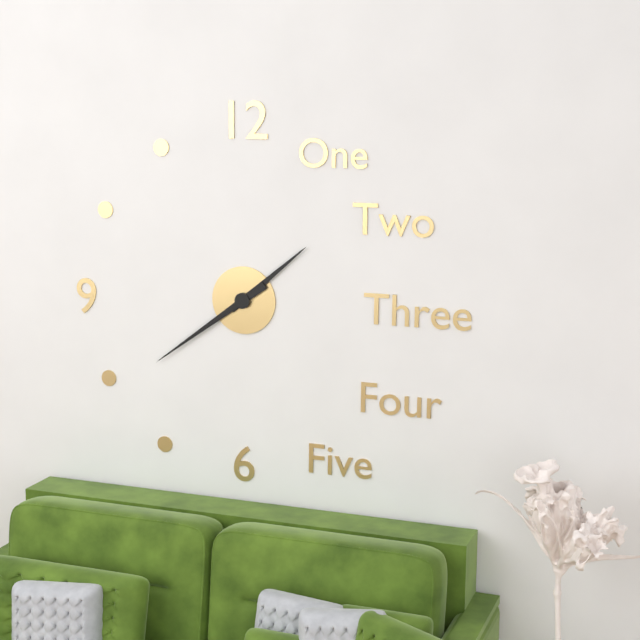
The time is 1:39
